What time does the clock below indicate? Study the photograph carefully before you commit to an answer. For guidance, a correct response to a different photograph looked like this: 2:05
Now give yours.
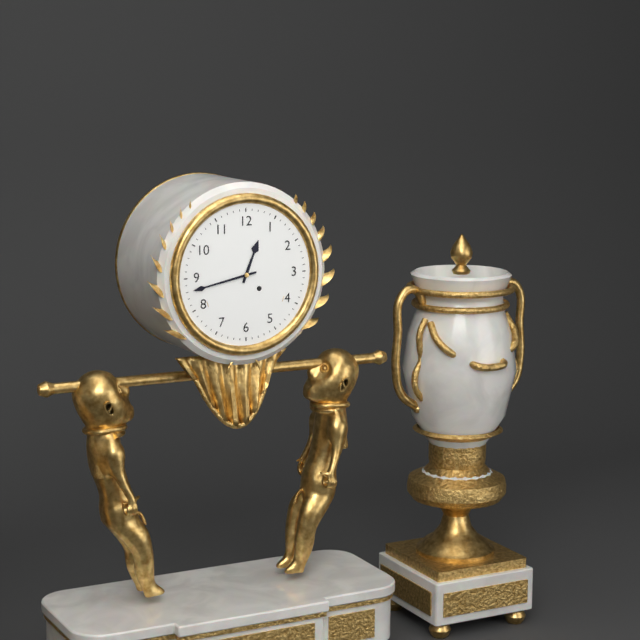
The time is 12:43
